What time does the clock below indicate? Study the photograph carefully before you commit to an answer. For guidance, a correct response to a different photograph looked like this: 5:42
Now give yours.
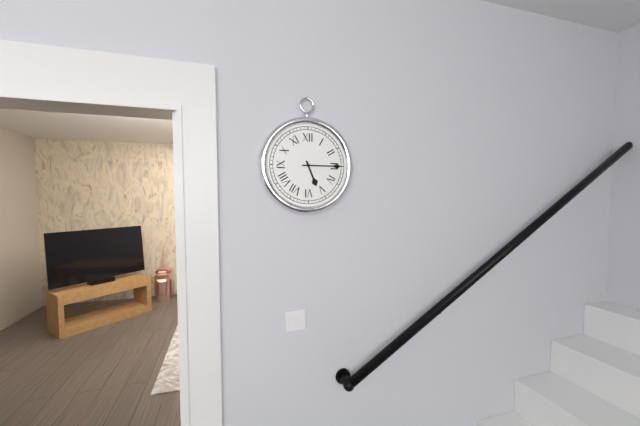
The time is 5:15
